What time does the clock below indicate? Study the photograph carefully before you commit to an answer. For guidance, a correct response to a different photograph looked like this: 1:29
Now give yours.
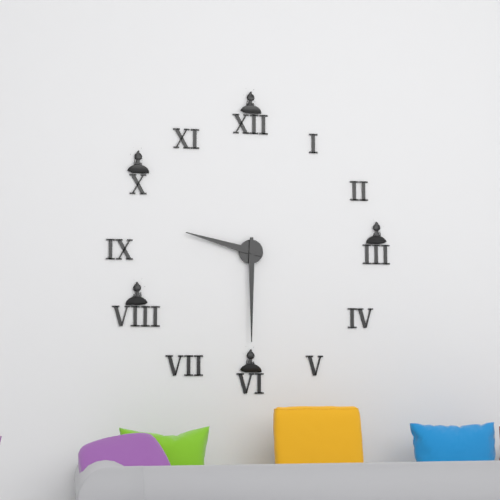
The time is 9:30
